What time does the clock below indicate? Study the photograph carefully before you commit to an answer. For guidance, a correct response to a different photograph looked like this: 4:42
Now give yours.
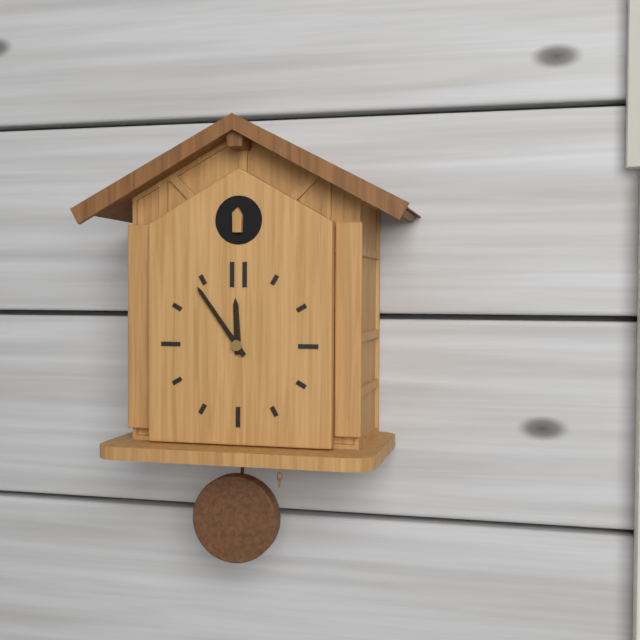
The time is 11:54
